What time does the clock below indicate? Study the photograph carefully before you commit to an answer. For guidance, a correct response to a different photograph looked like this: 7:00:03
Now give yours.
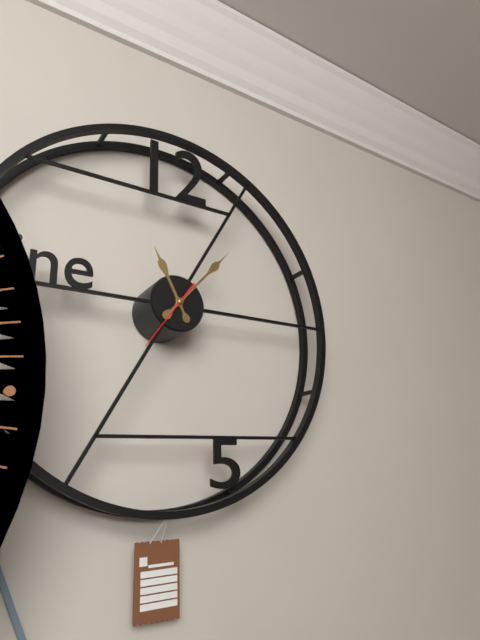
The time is 11:07:36
